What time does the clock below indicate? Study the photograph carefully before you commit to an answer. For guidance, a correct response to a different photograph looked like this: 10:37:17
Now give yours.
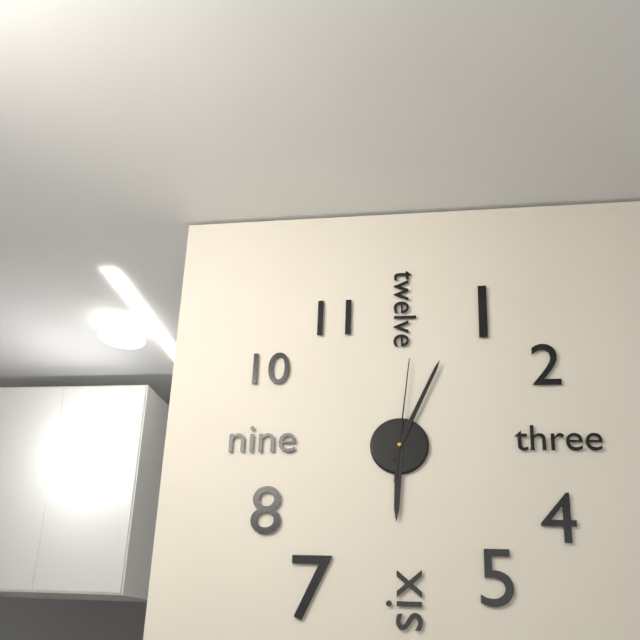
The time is 6:04:01
